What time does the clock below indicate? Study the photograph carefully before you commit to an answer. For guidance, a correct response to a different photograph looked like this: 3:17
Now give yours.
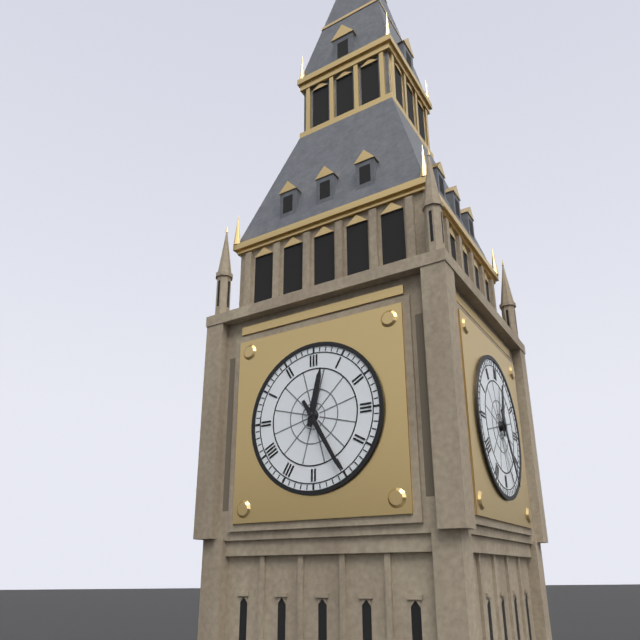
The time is 12:25
